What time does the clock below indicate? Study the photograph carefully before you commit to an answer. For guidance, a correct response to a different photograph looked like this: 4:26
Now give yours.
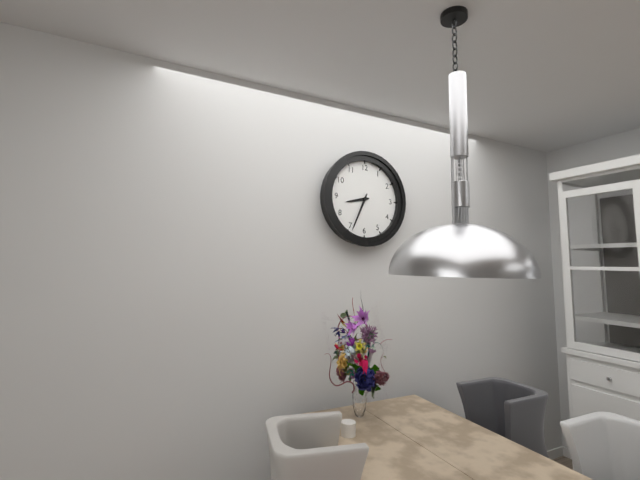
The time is 8:34
